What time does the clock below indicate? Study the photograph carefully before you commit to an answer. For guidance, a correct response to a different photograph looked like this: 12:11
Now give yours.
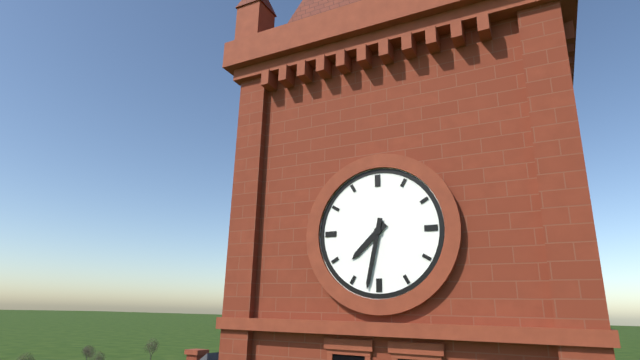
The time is 7:32
